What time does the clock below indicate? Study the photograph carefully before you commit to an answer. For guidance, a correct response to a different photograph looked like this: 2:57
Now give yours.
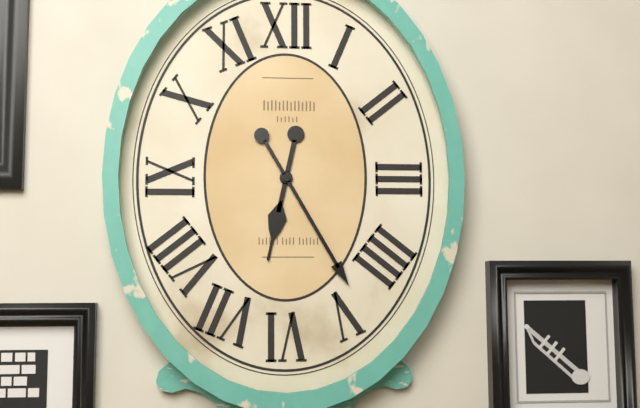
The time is 6:25
